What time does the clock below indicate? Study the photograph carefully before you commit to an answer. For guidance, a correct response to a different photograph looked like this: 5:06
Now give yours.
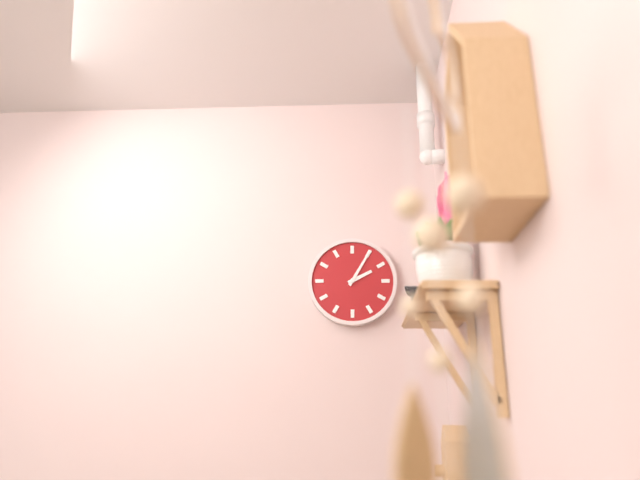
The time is 2:05
